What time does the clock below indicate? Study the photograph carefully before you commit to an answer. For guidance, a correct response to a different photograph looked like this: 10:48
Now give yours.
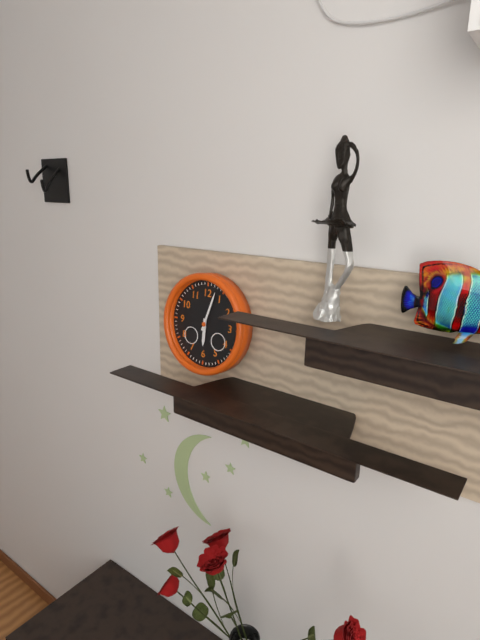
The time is 6:03
